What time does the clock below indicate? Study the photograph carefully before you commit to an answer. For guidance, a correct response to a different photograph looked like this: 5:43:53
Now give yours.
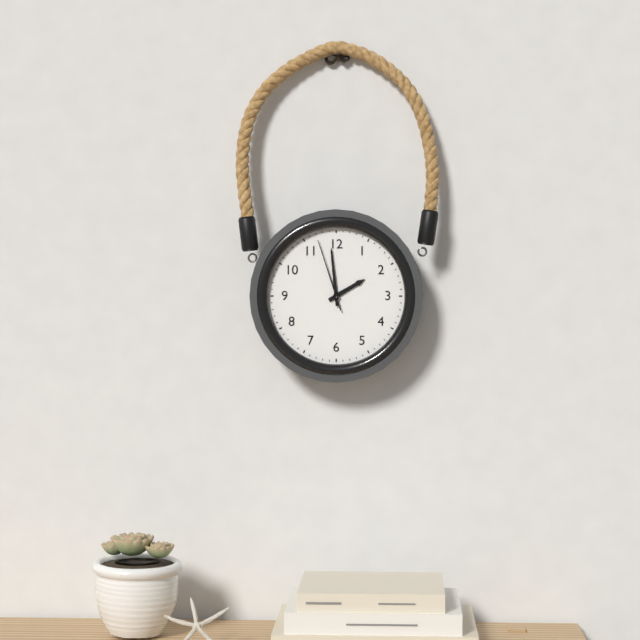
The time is 1:59:57
